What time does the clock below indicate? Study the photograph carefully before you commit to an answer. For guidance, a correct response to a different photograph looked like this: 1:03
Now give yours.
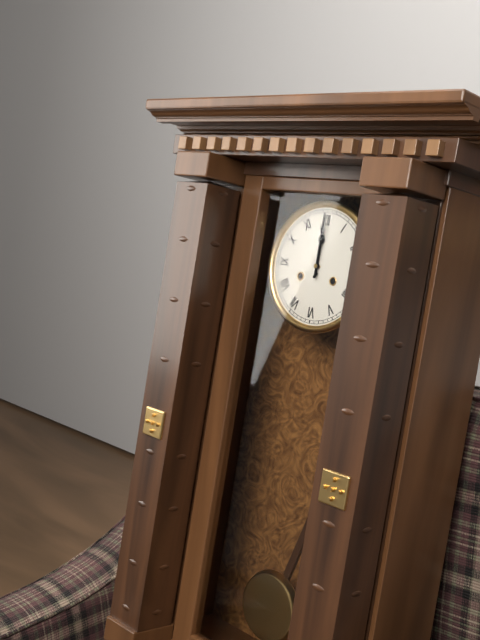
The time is 12:00
